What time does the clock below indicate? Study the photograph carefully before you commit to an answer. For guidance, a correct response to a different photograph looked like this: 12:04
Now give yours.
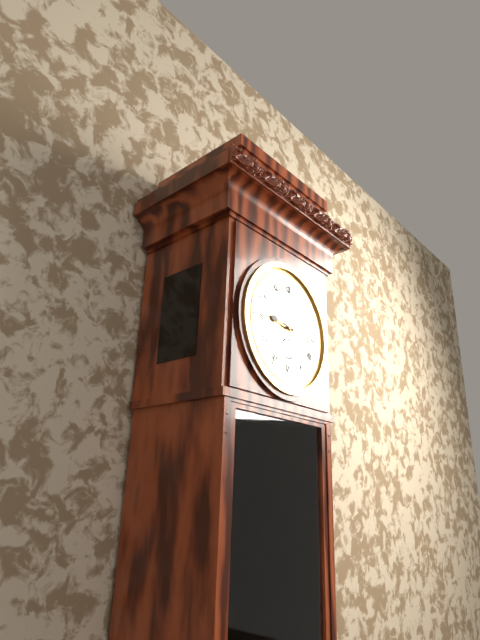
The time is 9:16
